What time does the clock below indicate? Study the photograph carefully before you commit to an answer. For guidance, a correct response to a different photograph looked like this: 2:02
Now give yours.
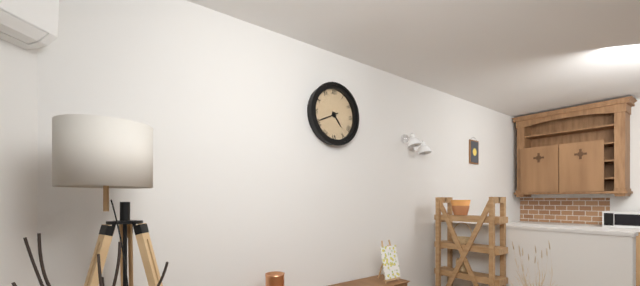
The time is 4:41
